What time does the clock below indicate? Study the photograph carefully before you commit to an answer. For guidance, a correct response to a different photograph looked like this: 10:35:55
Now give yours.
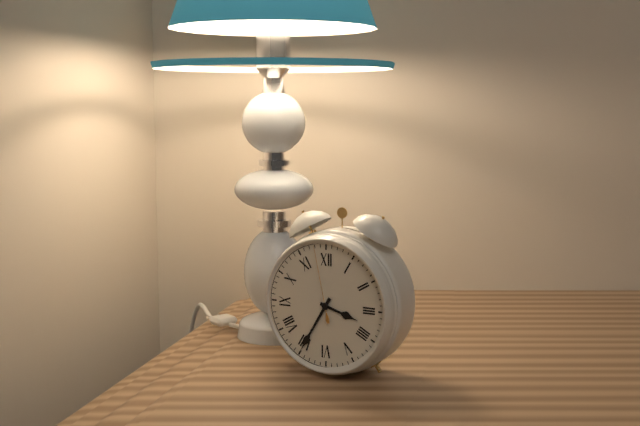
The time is 3:35:58
